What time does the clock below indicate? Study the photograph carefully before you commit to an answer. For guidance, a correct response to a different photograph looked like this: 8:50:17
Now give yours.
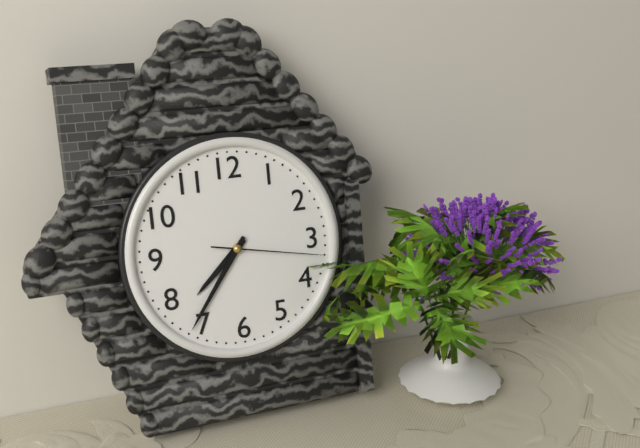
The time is 7:36:17
